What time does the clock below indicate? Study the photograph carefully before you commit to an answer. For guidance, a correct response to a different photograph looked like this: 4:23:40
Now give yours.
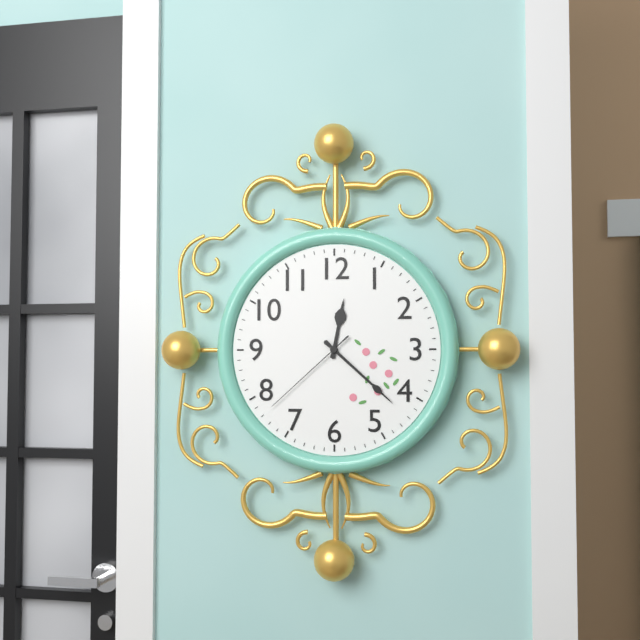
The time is 12:22:38
